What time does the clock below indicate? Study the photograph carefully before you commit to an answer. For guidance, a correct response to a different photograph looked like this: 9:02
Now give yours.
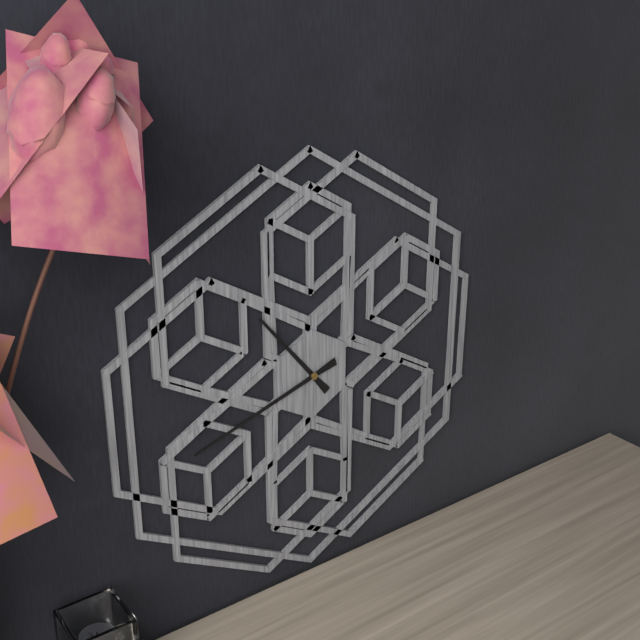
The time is 10:42
